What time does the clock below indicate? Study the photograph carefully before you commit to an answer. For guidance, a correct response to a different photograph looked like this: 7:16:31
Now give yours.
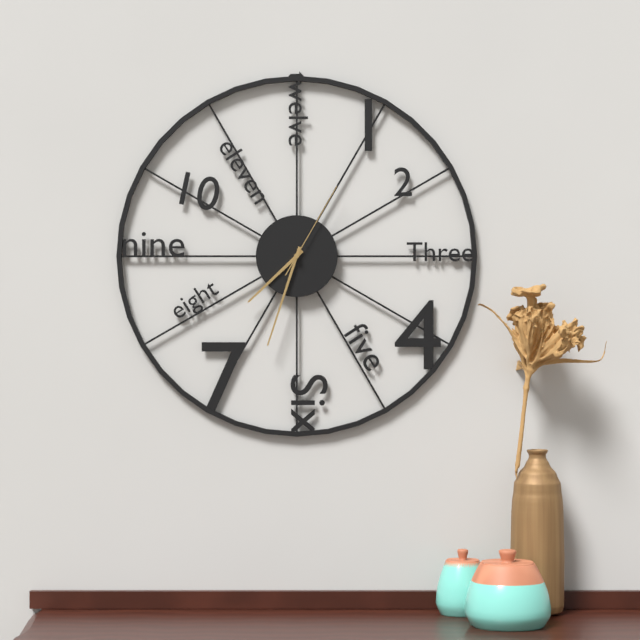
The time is 7:33:05
